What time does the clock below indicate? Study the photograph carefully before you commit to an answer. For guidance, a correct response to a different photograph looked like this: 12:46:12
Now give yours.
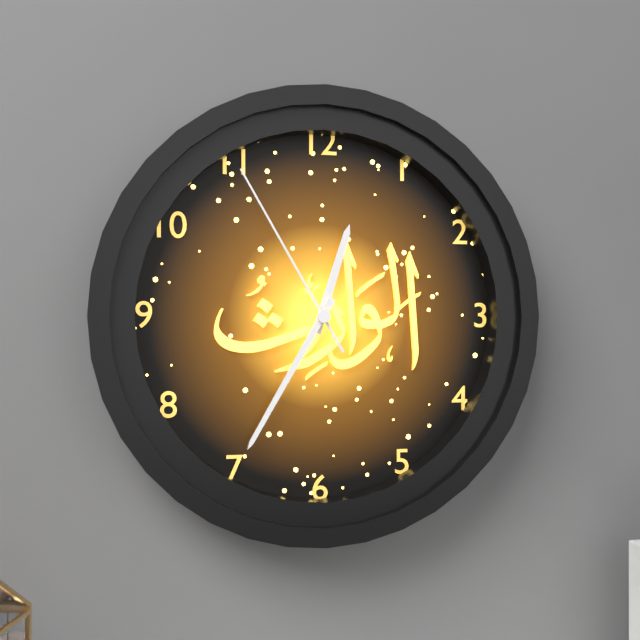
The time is 12:35:55
